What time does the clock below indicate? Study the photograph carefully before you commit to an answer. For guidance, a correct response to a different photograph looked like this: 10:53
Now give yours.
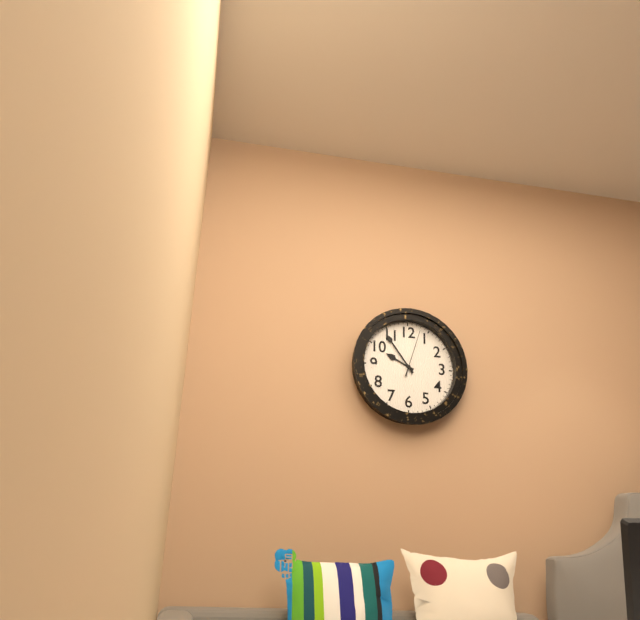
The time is 9:54
